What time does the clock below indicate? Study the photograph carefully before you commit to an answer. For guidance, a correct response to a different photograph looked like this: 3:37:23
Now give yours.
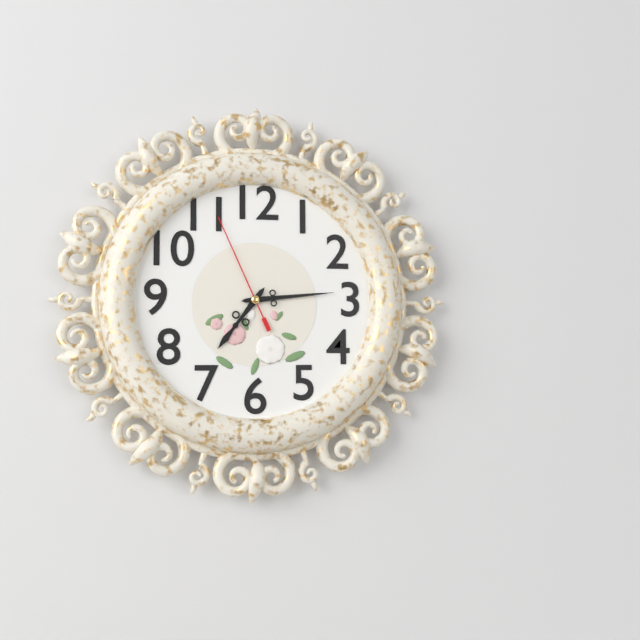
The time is 7:14:56
